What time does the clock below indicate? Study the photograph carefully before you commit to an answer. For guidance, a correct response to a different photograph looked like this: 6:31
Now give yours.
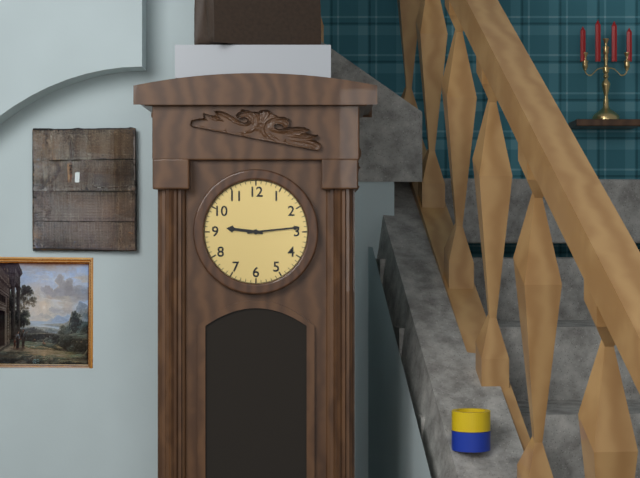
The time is 9:14
